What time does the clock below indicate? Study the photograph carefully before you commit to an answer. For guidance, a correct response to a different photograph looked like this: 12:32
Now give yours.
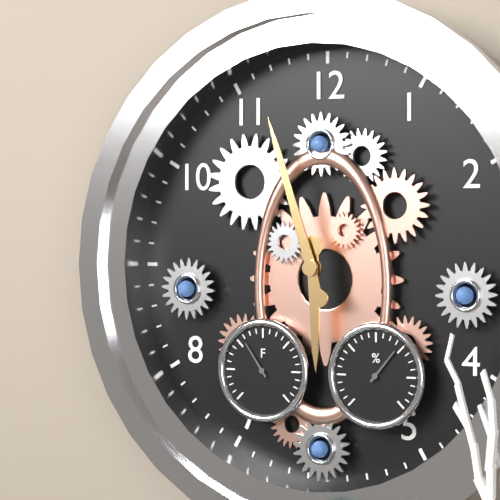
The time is 5:57
